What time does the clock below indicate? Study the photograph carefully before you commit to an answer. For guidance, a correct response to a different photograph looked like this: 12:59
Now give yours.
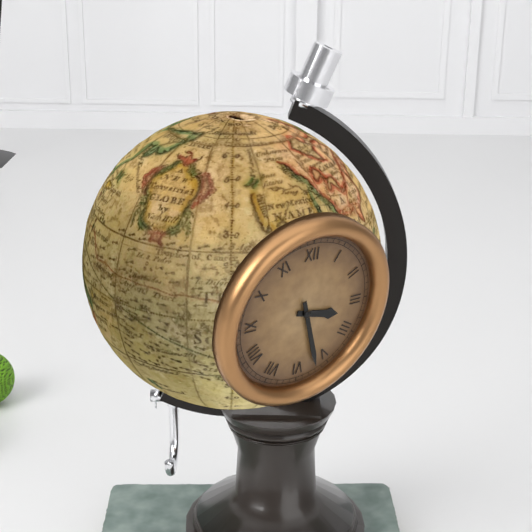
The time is 3:27
